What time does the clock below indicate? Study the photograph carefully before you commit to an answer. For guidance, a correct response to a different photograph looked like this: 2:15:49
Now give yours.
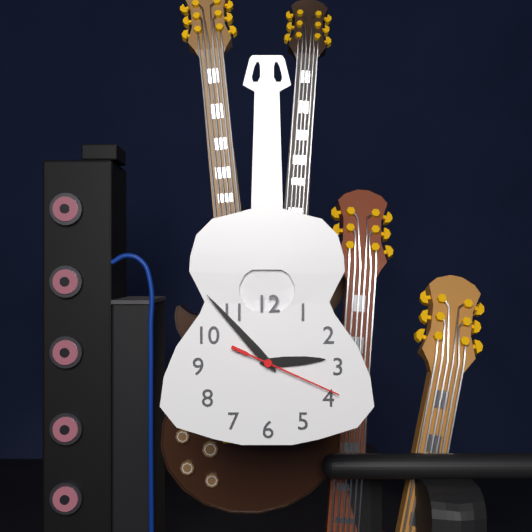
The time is 2:53:19
